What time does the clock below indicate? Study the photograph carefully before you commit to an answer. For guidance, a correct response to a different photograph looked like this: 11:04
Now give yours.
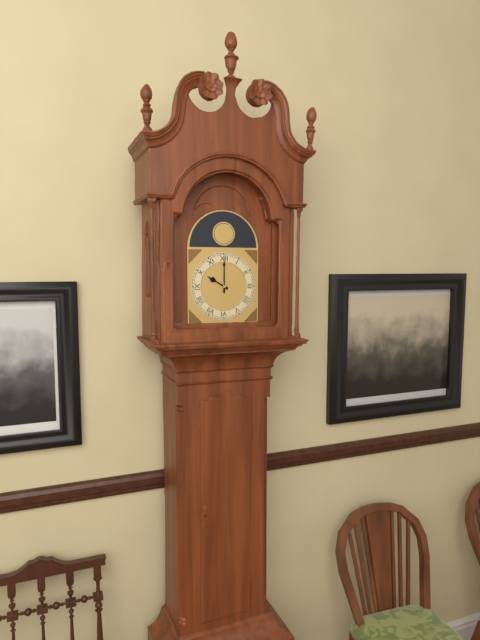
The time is 10:00
